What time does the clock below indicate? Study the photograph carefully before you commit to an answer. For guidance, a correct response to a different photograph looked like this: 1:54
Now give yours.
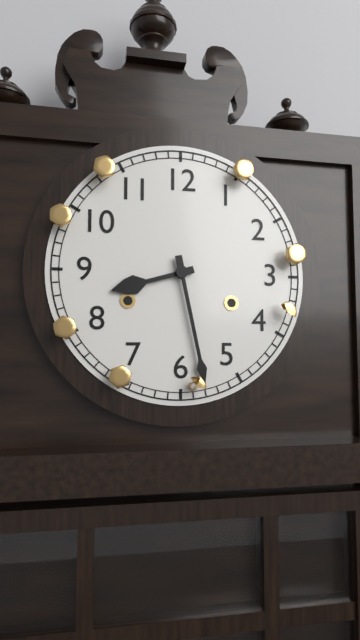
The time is 8:28
